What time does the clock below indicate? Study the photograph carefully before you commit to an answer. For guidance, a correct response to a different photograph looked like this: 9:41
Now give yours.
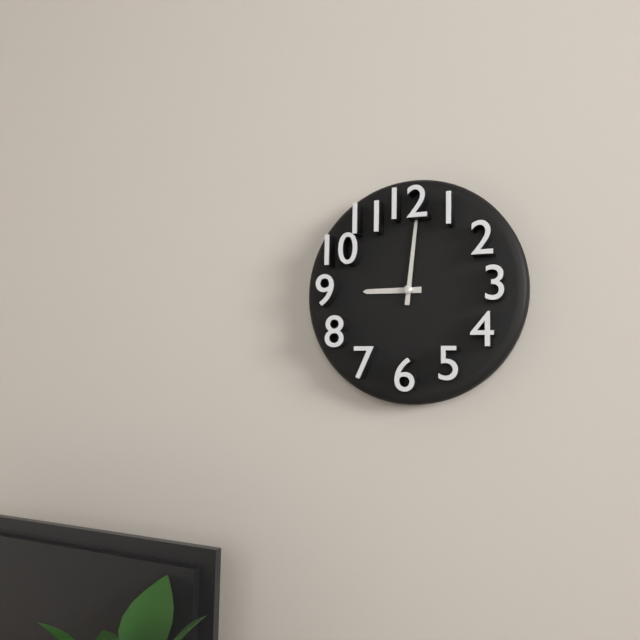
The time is 9:01
